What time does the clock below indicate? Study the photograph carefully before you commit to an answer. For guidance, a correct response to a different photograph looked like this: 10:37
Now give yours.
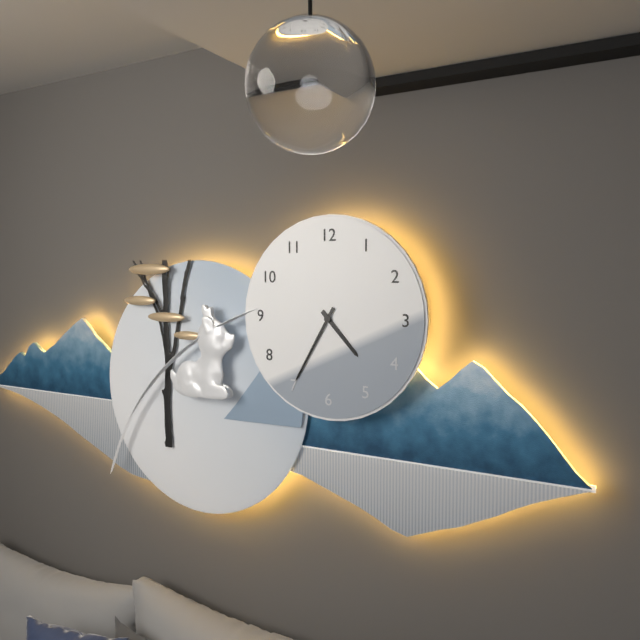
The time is 4:35
